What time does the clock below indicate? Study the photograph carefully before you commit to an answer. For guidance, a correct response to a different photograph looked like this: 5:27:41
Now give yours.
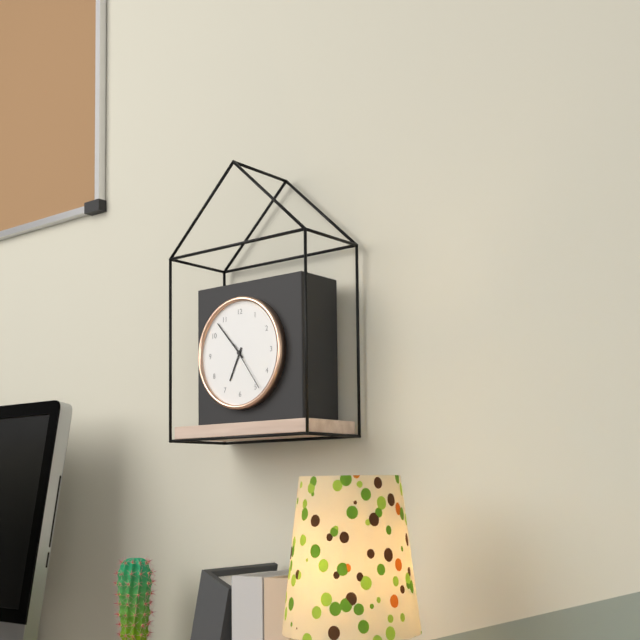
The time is 6:53:24
